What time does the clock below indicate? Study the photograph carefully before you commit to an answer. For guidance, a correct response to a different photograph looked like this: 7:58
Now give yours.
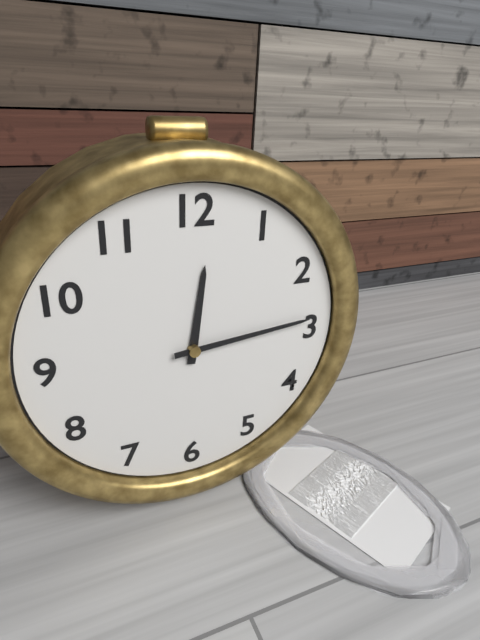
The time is 12:14
